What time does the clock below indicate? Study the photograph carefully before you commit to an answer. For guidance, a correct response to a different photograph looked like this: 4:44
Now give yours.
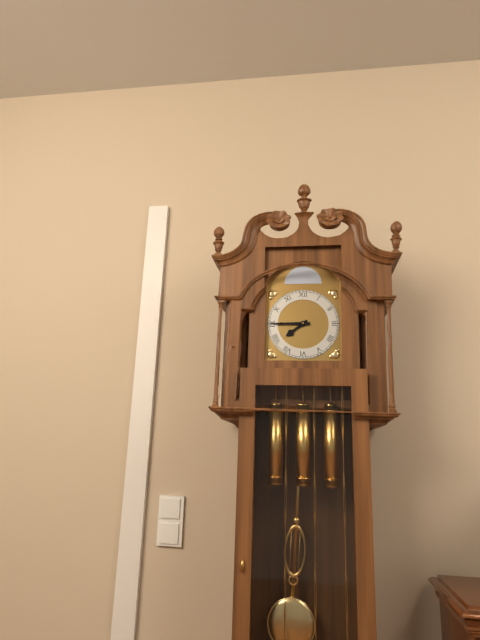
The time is 7:45
